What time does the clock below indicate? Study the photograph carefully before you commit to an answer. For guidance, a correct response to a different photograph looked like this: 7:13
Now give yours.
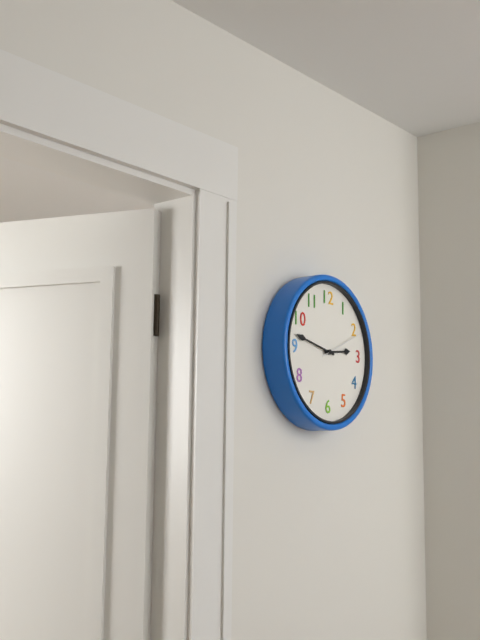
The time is 2:47
